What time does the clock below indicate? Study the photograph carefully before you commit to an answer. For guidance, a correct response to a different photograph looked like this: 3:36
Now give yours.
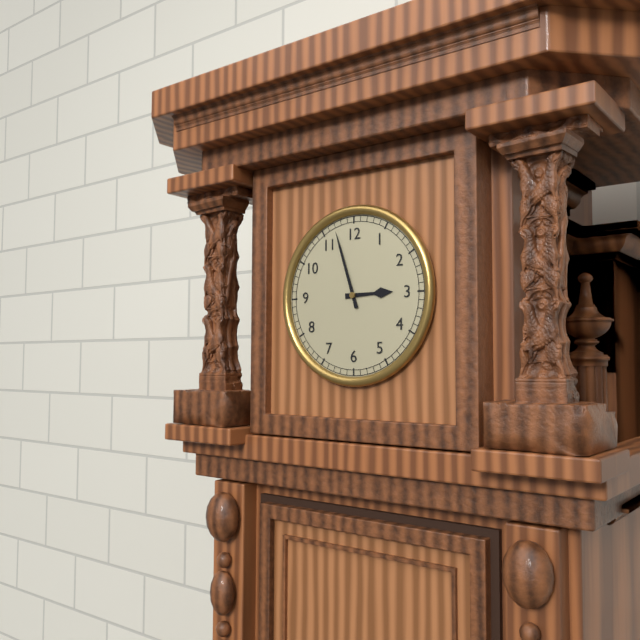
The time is 2:57
